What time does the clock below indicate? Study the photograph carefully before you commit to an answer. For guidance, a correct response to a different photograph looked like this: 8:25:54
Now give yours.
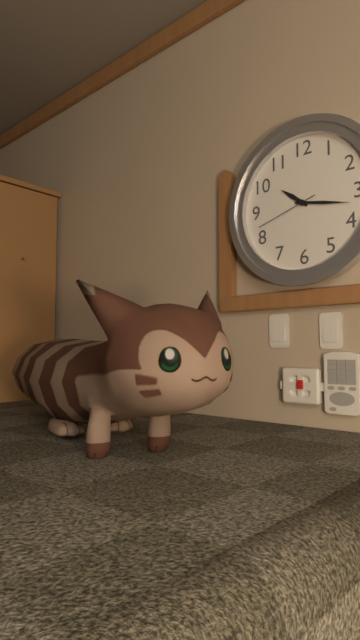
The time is 10:17:42
